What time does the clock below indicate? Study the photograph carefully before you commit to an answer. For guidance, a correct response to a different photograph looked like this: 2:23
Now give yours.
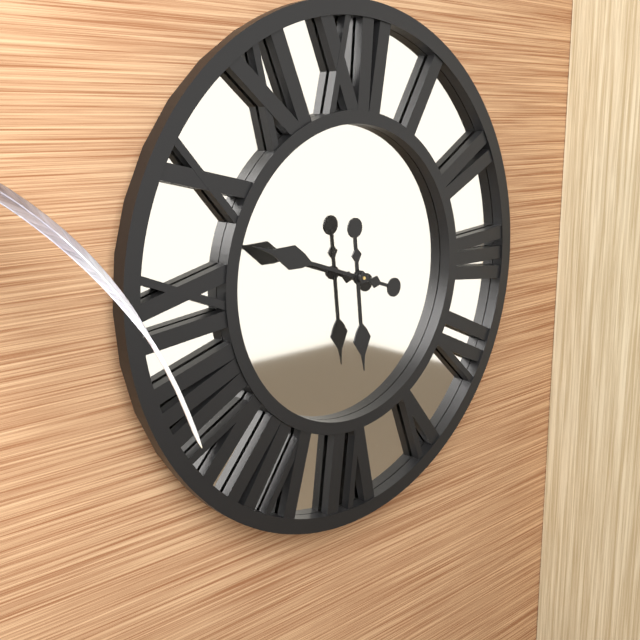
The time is 5:48
